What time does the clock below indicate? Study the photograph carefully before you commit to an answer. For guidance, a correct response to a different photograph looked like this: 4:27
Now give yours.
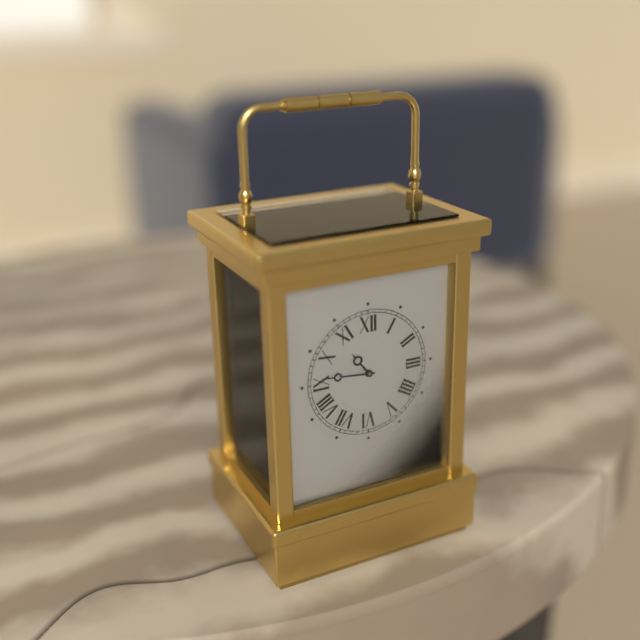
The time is 10:46
